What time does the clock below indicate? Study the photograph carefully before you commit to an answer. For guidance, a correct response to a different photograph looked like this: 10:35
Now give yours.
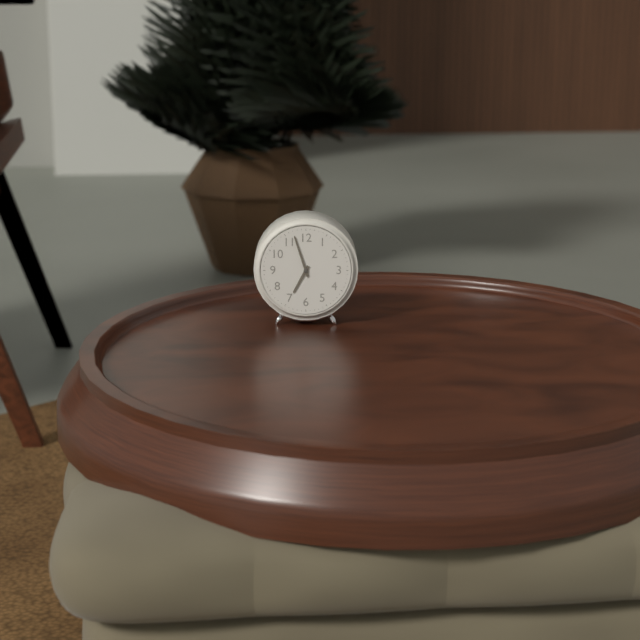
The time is 6:57
